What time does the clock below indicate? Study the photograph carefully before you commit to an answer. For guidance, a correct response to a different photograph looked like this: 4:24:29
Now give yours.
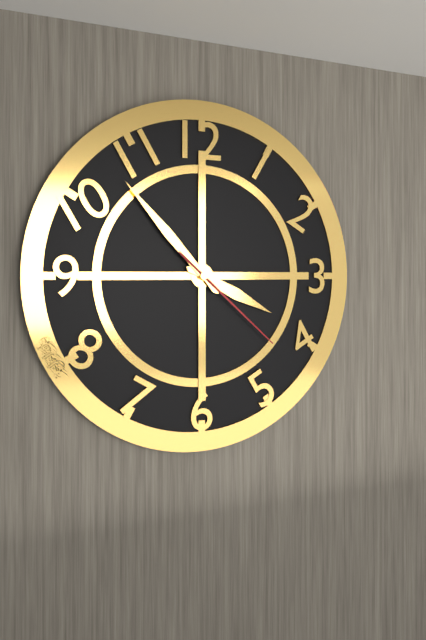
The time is 3:53:22
